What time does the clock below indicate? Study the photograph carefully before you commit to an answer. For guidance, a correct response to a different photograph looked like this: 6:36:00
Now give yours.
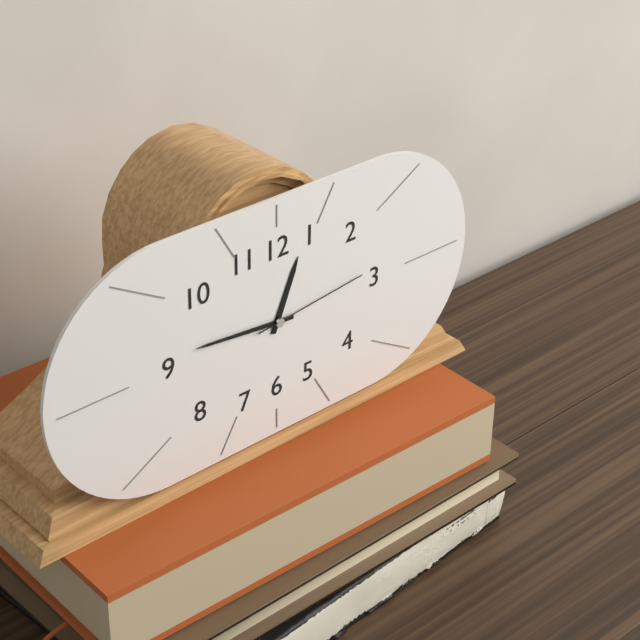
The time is 12:46:14
